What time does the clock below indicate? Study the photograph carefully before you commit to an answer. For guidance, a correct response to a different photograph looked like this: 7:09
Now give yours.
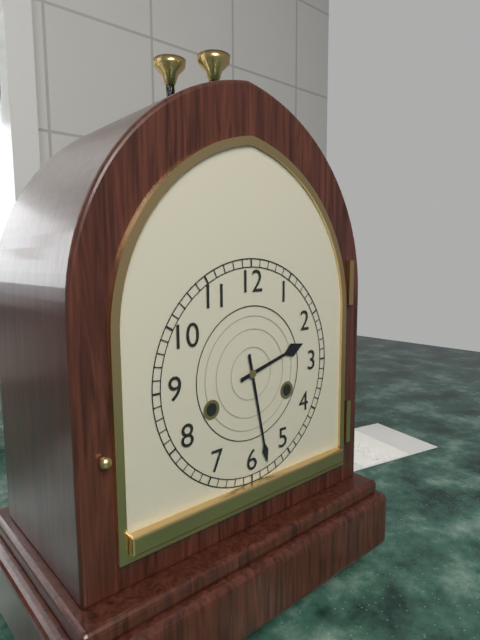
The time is 2:28
